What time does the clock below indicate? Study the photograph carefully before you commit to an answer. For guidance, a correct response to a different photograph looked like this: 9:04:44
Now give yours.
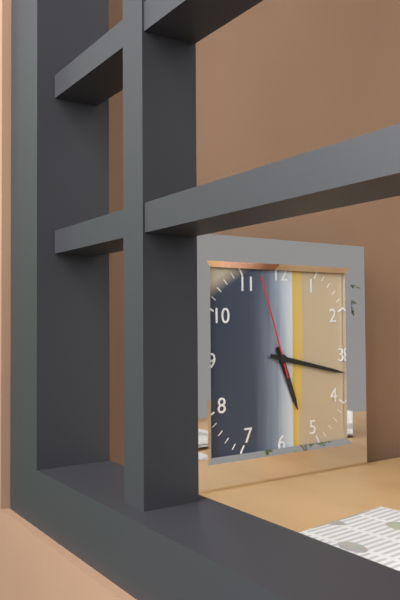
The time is 5:17:57
